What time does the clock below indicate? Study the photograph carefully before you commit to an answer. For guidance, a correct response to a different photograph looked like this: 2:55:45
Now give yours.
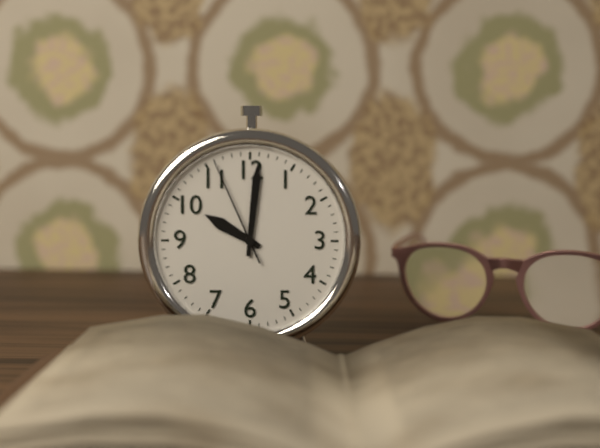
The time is 10:01:56
